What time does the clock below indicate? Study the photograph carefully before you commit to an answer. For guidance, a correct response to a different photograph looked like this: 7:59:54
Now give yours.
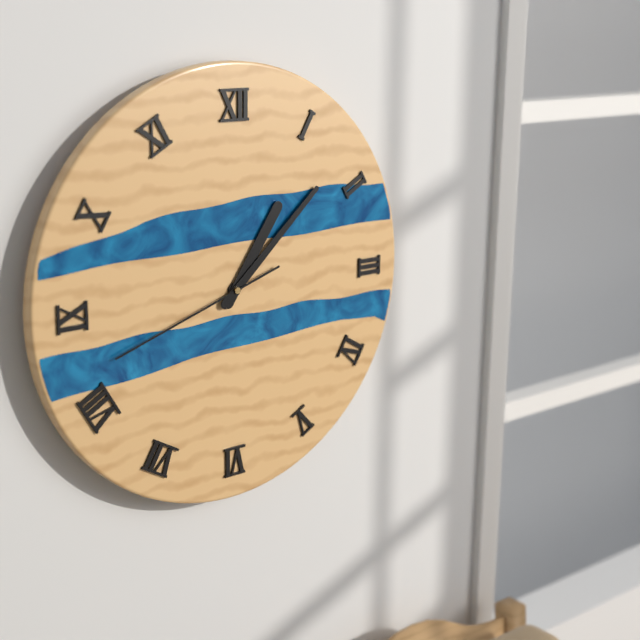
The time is 1:08:42
